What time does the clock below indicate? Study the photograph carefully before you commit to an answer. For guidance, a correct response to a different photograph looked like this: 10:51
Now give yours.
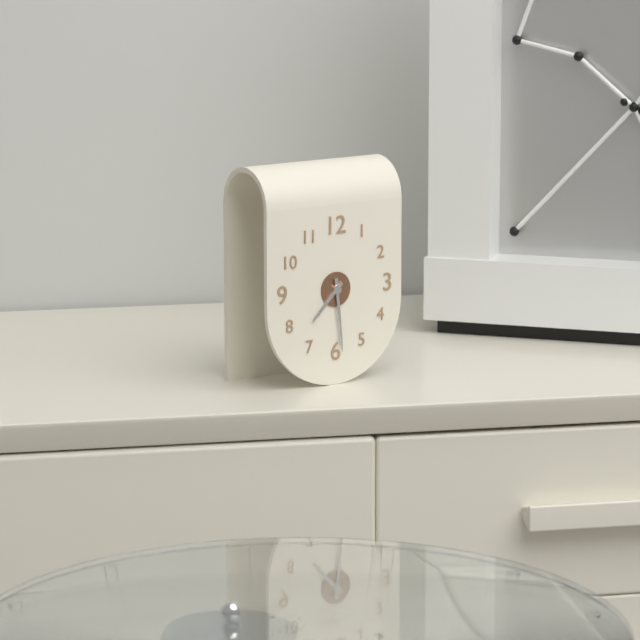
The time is 7:29
